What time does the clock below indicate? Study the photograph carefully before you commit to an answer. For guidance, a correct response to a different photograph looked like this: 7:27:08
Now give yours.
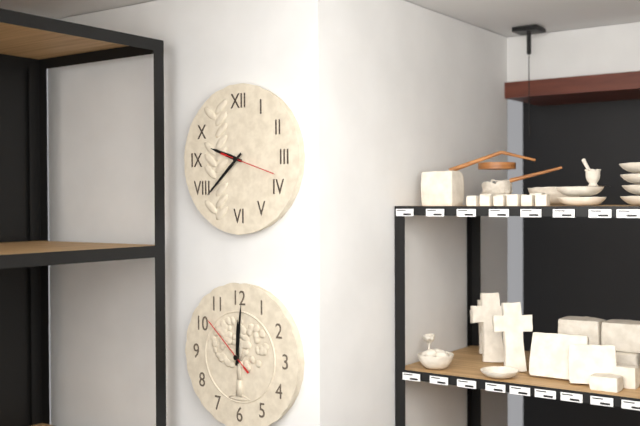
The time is 9:38:18
